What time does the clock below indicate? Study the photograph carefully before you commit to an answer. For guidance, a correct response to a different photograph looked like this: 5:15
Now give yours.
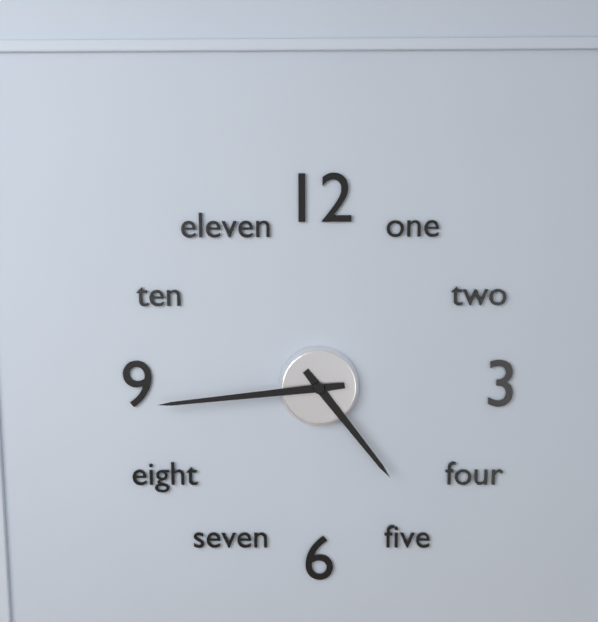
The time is 4:44
